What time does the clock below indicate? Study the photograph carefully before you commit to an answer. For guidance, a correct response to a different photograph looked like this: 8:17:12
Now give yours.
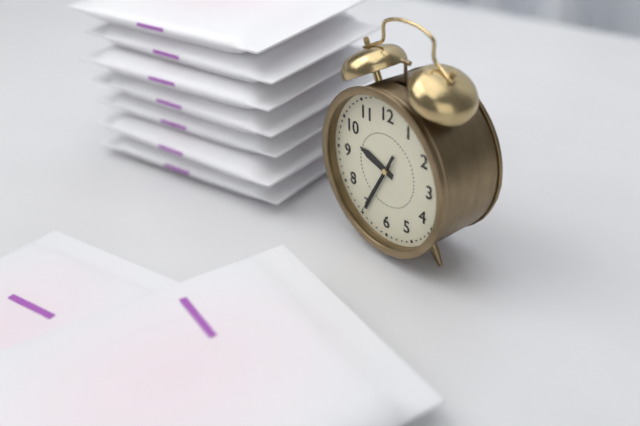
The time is 9:35:35
